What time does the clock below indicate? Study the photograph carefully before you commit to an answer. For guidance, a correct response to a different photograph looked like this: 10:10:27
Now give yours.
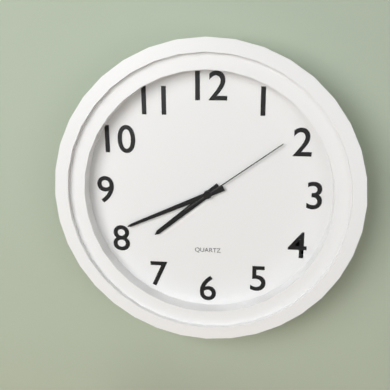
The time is 7:41:09
